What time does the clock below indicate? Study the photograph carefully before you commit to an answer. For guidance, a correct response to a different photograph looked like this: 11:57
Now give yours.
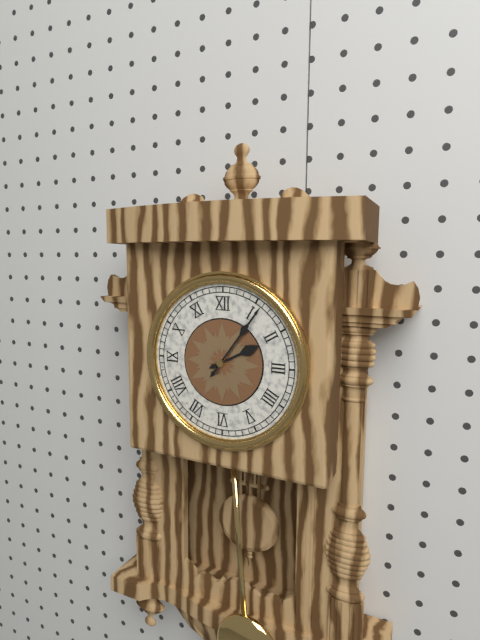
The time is 2:06
